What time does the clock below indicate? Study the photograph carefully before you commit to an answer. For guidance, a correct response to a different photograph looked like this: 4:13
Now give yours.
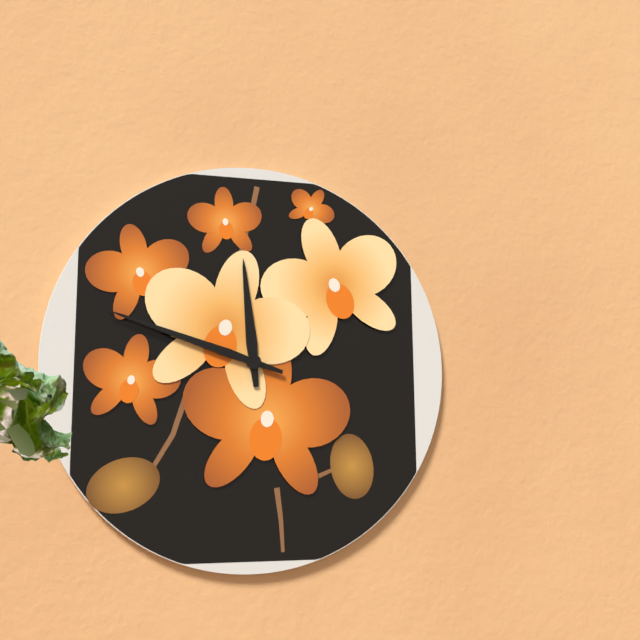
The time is 11:48
